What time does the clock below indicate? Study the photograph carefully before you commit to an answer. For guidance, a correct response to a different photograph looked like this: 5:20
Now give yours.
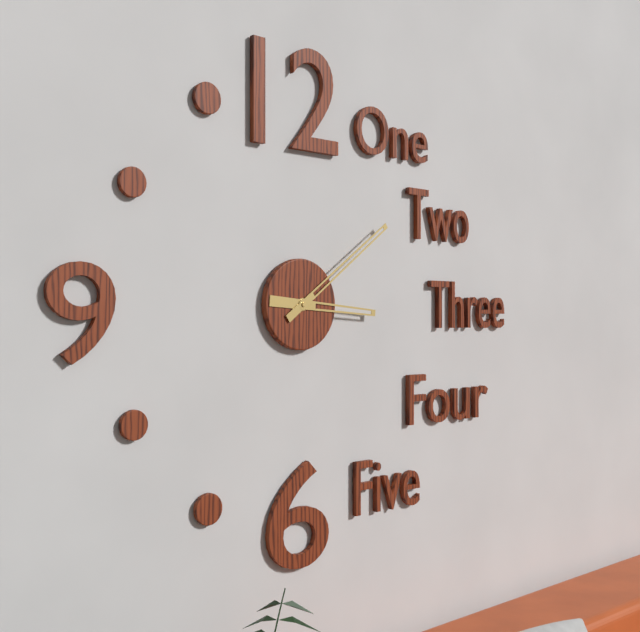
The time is 3:09
